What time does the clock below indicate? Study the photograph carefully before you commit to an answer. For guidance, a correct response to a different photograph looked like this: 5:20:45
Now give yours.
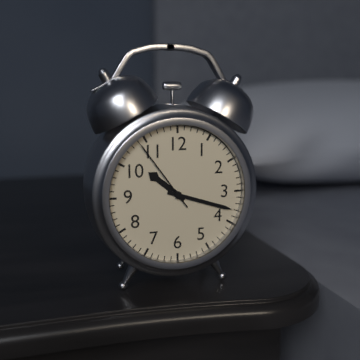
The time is 10:18:54
